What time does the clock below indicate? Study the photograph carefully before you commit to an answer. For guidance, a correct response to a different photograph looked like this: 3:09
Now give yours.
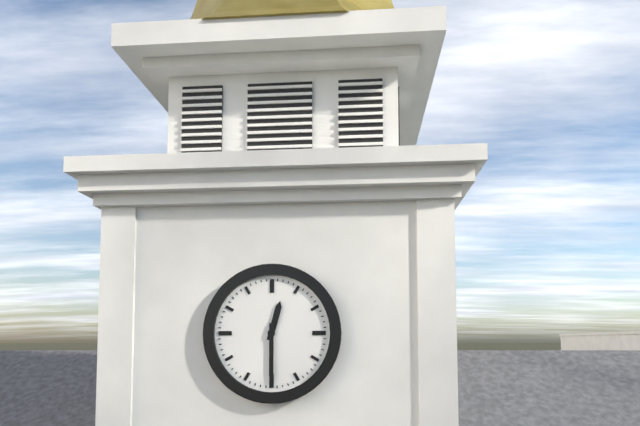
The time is 12:30
